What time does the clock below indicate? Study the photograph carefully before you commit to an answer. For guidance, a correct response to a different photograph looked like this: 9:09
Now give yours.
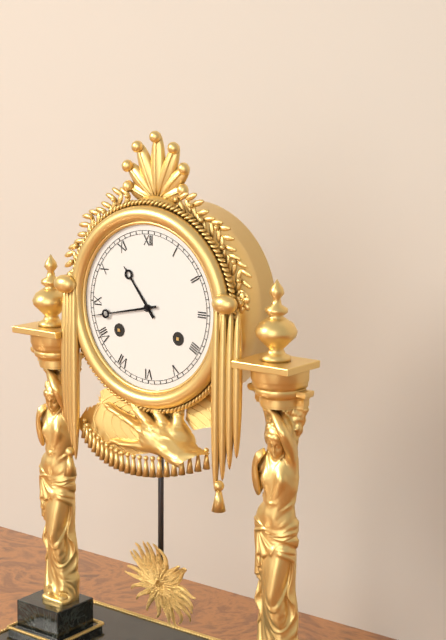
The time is 10:43
